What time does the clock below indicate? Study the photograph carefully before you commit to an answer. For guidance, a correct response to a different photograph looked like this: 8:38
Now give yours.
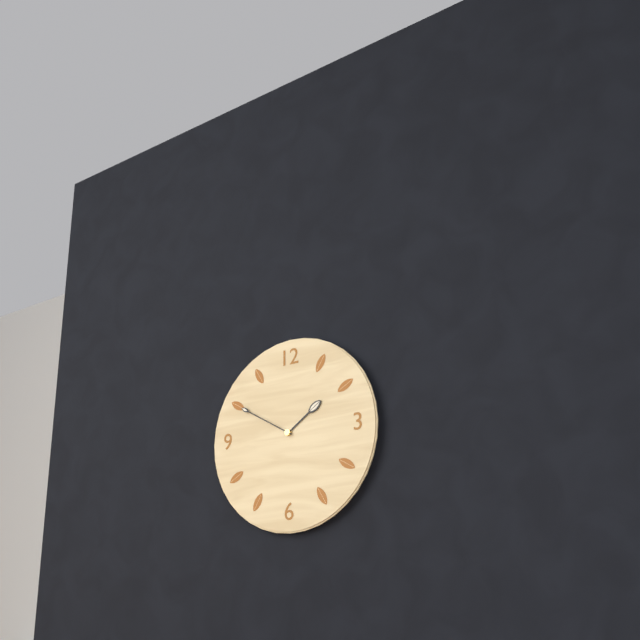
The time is 1:50
